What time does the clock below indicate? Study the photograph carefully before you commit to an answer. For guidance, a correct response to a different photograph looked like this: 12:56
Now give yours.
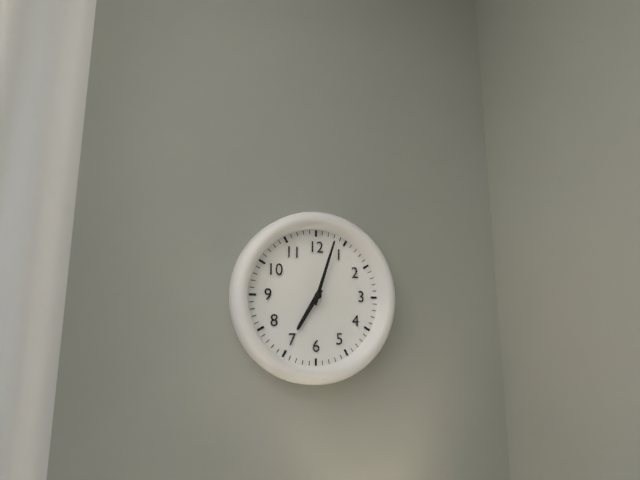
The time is 7:03
